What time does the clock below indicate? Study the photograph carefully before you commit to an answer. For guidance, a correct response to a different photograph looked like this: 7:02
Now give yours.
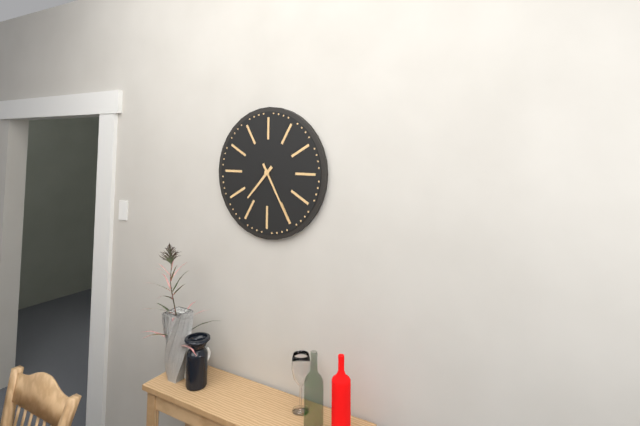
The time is 7:25
